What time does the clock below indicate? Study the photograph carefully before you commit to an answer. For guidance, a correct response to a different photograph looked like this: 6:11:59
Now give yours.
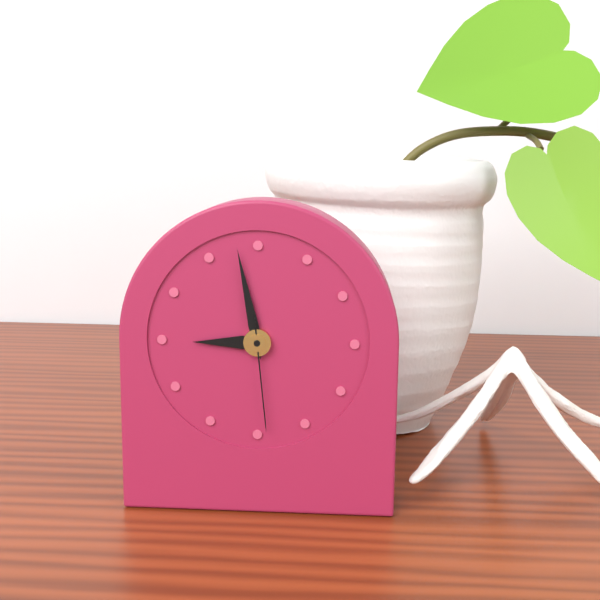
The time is 8:58:29
